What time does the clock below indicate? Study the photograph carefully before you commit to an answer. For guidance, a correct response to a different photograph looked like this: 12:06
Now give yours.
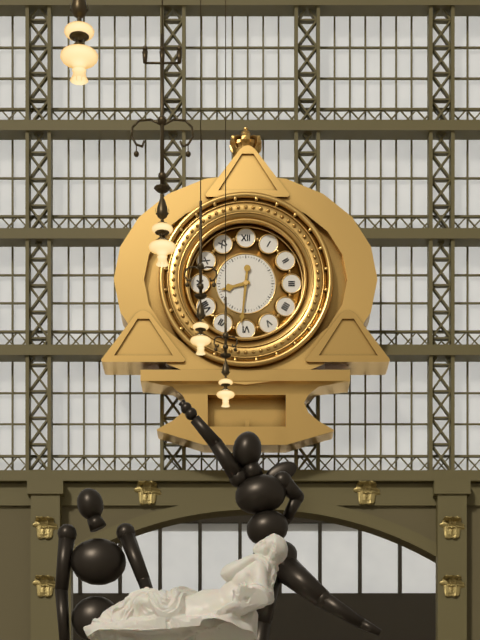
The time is 8:31
